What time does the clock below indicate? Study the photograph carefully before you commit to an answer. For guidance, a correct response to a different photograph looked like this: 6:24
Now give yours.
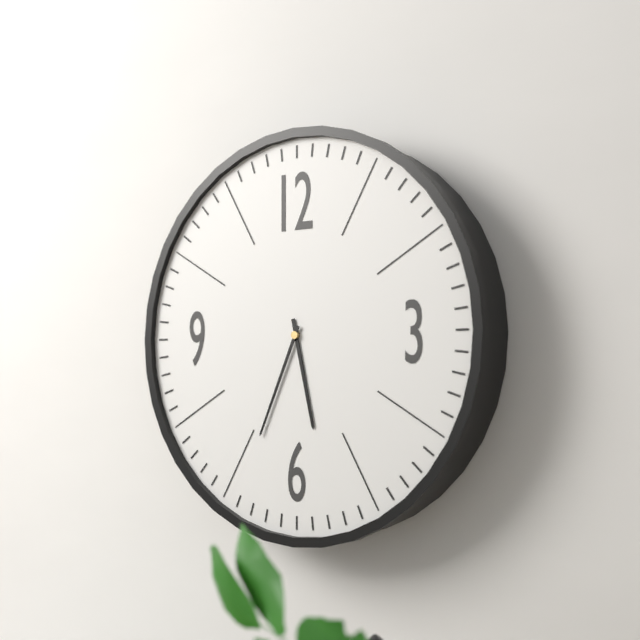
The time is 5:34
